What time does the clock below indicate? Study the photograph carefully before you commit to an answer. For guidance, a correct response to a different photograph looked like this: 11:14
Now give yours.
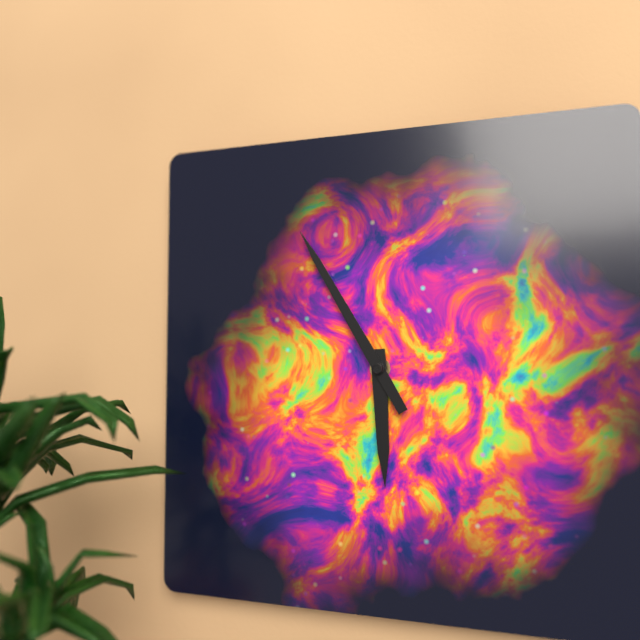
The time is 5:55
